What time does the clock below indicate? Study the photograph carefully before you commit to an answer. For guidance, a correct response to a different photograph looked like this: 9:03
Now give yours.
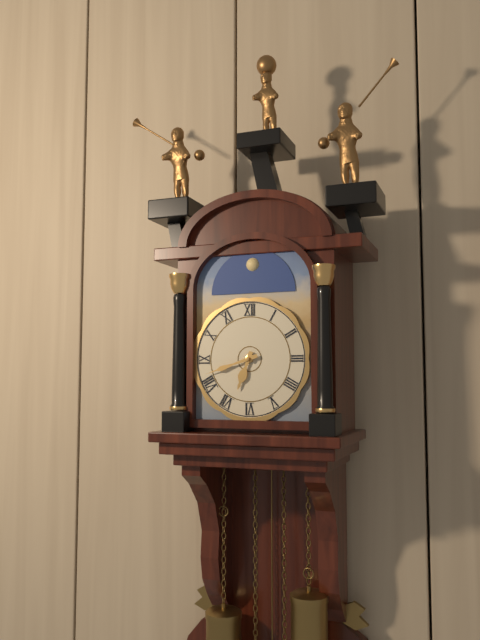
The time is 6:42
